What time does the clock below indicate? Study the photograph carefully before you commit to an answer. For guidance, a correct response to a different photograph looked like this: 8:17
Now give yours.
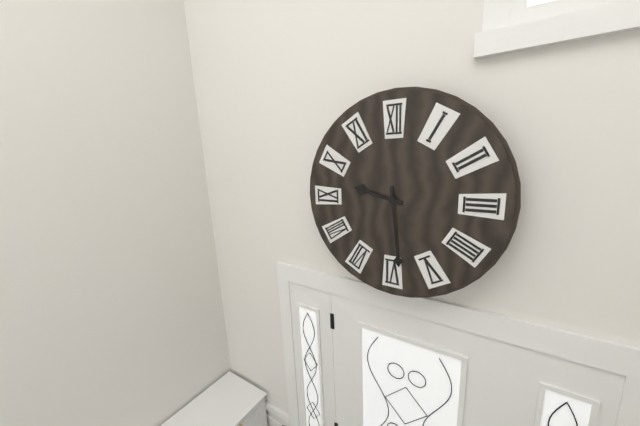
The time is 9:29
